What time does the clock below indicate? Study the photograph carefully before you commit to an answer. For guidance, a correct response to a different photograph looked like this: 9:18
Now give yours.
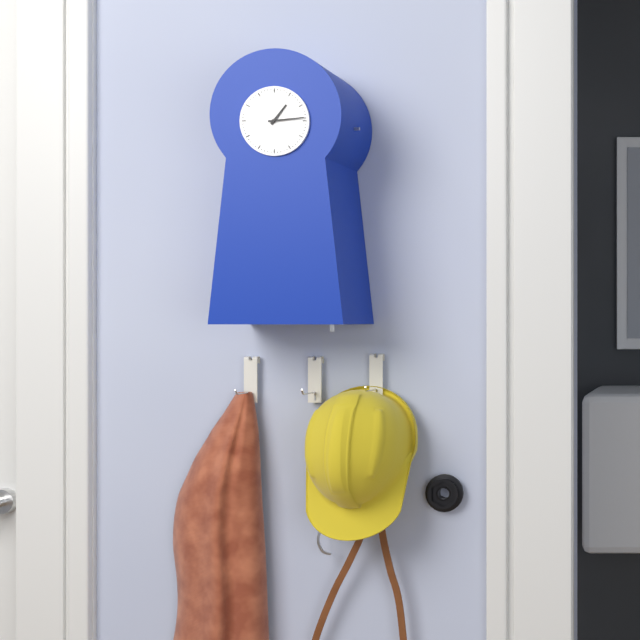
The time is 1:14
